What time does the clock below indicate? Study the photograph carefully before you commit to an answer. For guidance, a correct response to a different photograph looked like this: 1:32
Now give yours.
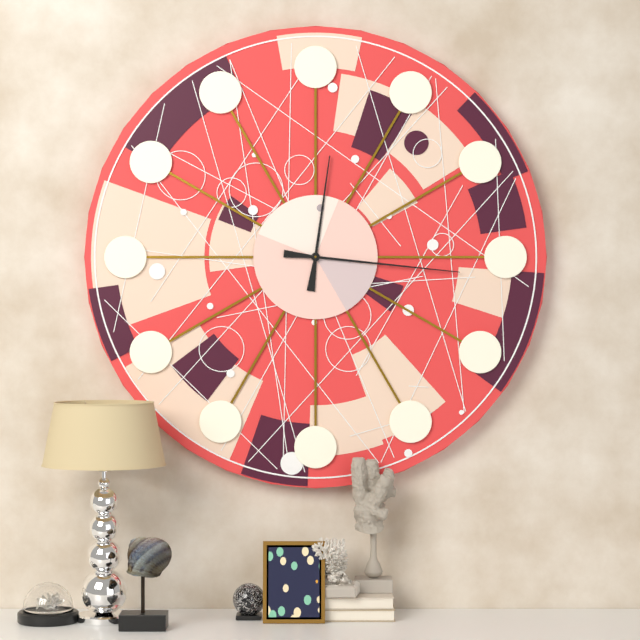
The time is 12:16
